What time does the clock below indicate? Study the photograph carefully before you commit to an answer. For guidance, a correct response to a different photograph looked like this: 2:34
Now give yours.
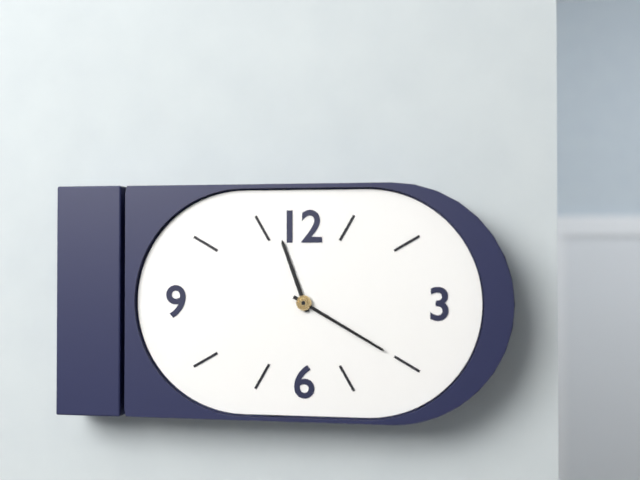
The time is 11:20
